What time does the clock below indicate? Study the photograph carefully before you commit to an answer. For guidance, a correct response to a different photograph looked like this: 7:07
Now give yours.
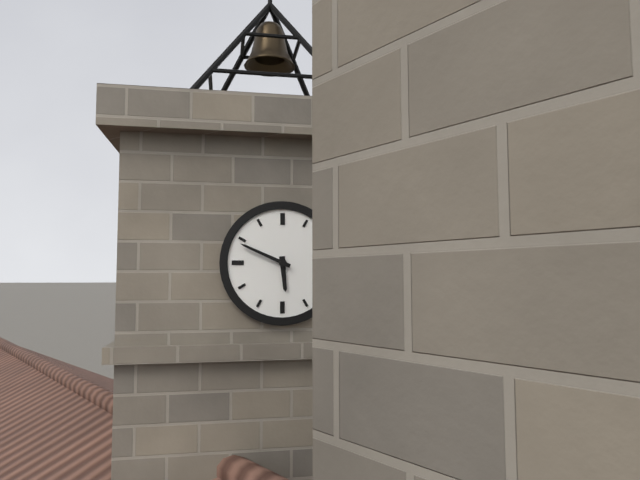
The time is 5:49
